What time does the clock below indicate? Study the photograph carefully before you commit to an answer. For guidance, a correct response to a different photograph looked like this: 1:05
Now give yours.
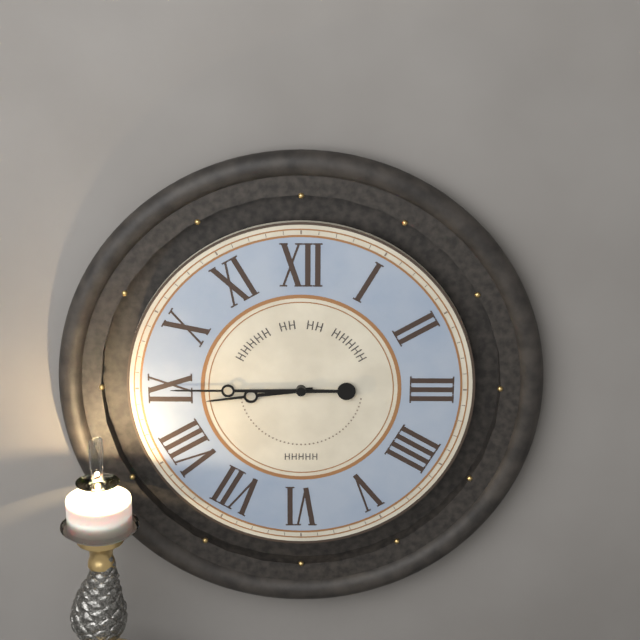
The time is 8:45
